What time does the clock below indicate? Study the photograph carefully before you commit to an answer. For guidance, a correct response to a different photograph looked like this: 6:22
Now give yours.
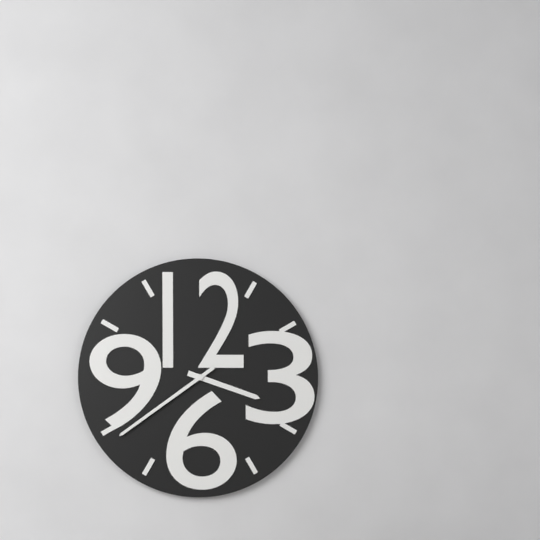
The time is 3:39
